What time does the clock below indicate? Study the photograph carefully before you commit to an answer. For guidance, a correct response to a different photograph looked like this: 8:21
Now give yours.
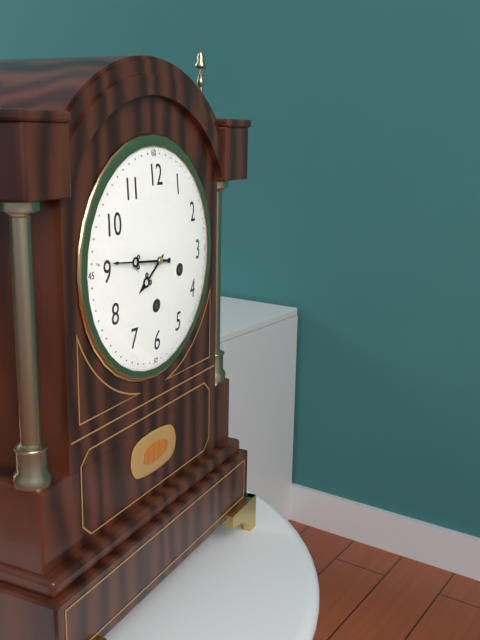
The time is 7:46
